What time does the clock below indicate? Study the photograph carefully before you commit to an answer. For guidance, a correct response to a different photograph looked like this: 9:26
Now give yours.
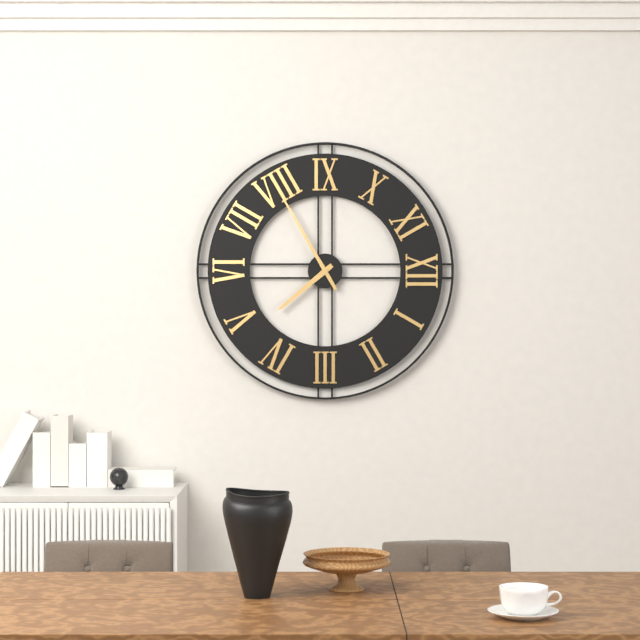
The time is 4:40
